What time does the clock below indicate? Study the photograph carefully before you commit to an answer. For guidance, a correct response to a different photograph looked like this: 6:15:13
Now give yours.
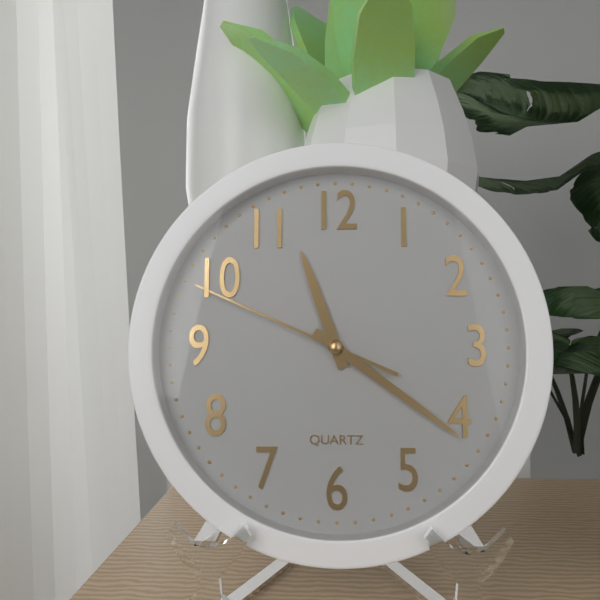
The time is 11:21:49
